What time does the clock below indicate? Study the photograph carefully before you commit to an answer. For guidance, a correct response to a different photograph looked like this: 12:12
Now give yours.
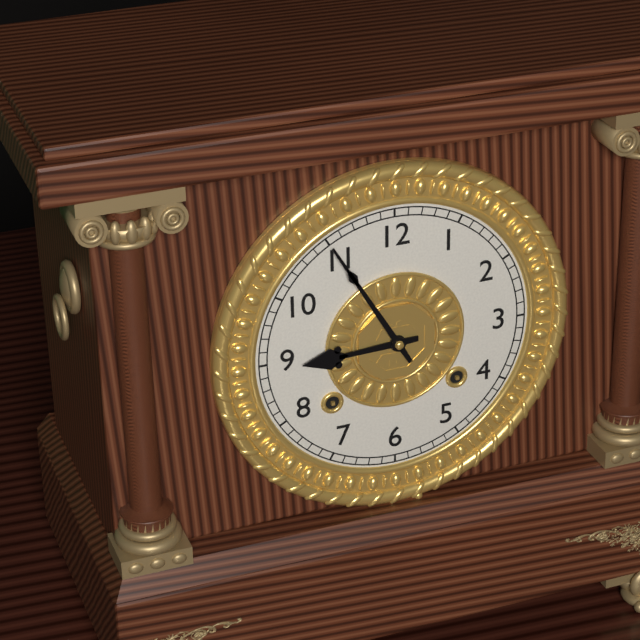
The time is 8:55
